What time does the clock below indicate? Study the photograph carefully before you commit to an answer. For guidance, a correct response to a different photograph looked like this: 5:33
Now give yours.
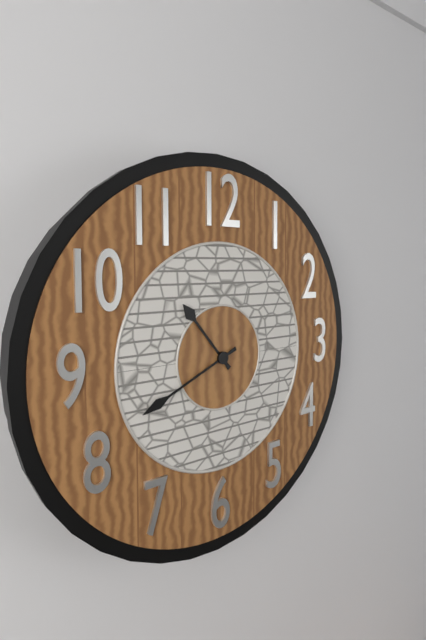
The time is 10:41
